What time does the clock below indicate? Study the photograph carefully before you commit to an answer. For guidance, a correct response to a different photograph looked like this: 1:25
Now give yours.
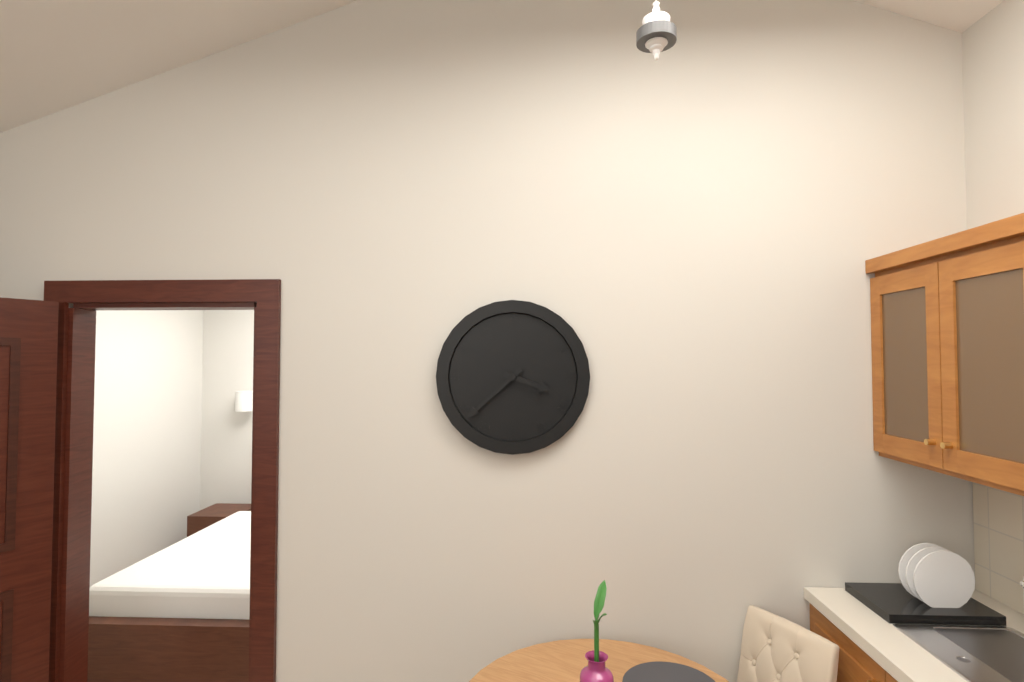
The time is 3:38
